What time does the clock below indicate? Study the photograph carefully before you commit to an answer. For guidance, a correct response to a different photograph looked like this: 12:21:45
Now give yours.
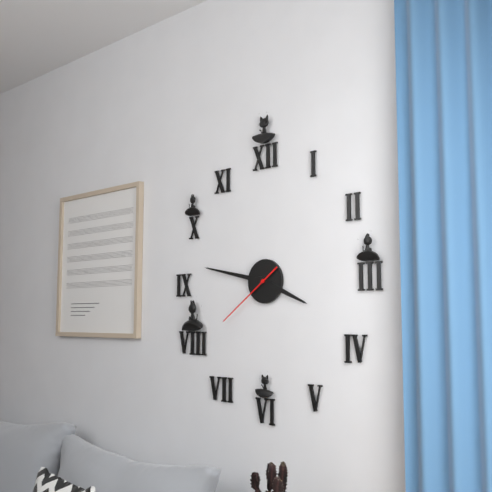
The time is 3:47:39
